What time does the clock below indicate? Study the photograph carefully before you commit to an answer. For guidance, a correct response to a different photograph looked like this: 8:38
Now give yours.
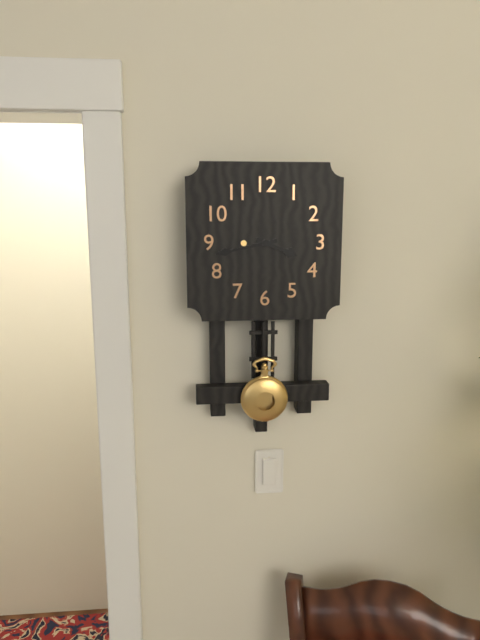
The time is 3:43
